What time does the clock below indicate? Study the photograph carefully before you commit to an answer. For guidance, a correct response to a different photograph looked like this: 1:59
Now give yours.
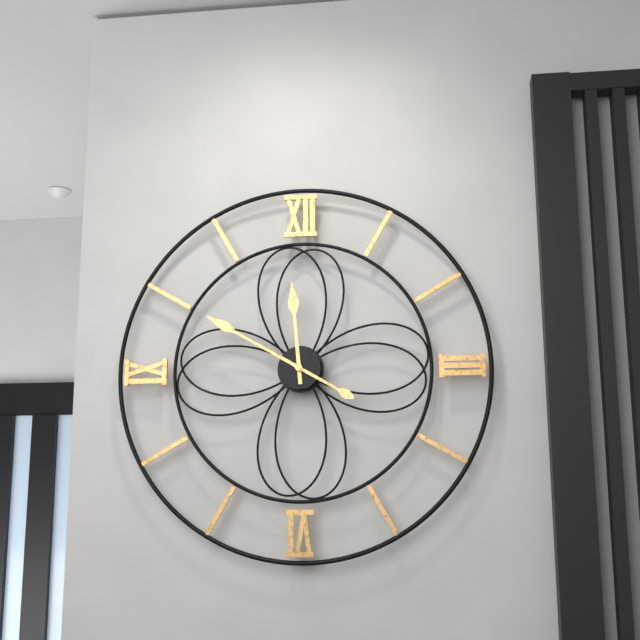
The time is 11:50
